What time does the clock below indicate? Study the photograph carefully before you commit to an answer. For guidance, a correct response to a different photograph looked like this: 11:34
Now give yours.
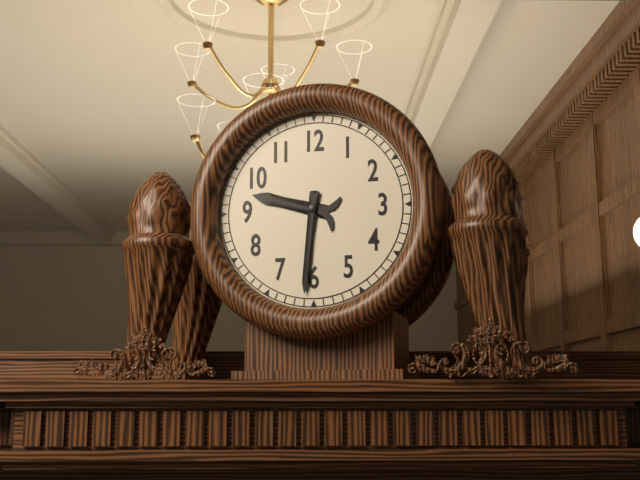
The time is 9:31
